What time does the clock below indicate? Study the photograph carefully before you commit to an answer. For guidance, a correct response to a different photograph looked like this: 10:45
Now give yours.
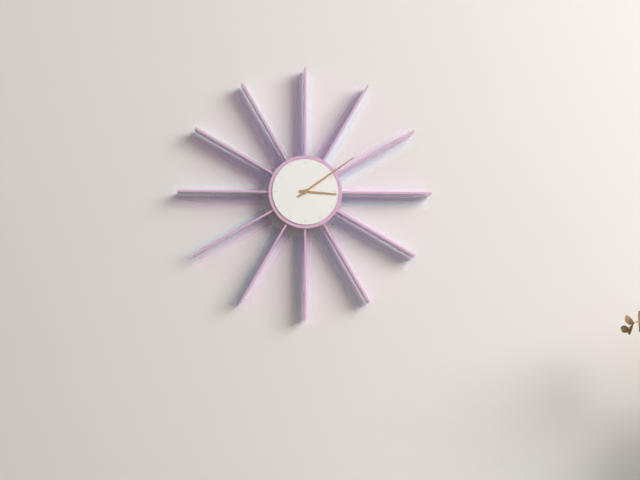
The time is 3:09
